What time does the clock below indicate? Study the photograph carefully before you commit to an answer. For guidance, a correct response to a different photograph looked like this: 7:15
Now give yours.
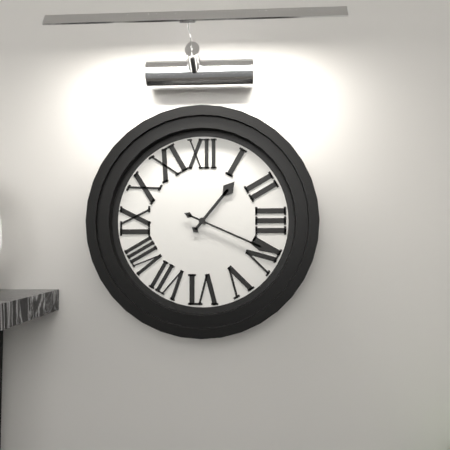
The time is 1:19
